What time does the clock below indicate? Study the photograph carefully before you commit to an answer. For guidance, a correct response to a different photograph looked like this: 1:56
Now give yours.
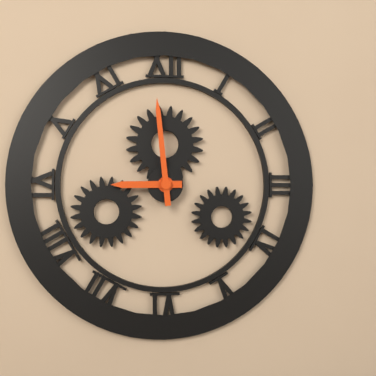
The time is 8:59
